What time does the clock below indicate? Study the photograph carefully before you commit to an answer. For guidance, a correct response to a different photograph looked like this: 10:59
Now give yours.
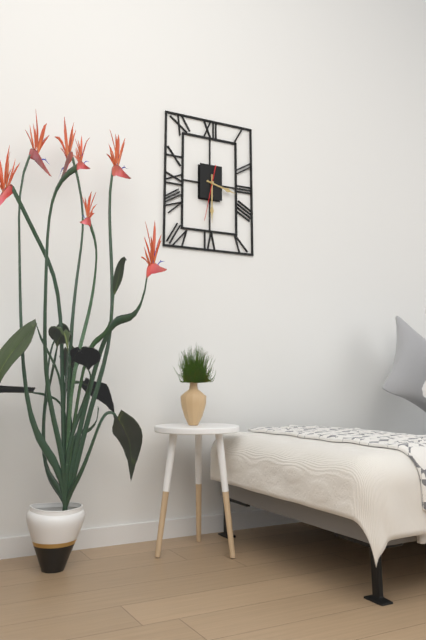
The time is 3:30
